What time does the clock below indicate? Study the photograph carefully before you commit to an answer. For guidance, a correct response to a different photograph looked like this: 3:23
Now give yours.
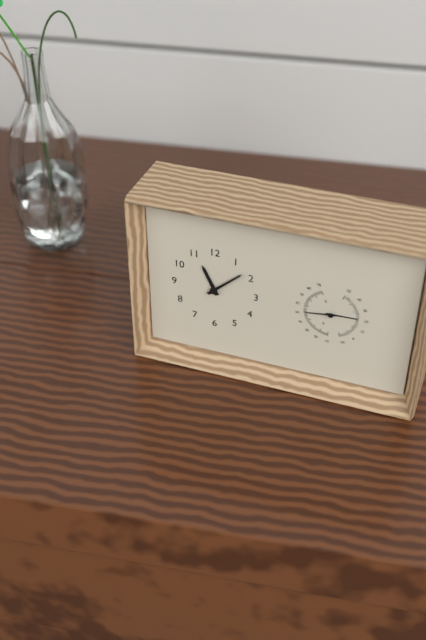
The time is 11:08
